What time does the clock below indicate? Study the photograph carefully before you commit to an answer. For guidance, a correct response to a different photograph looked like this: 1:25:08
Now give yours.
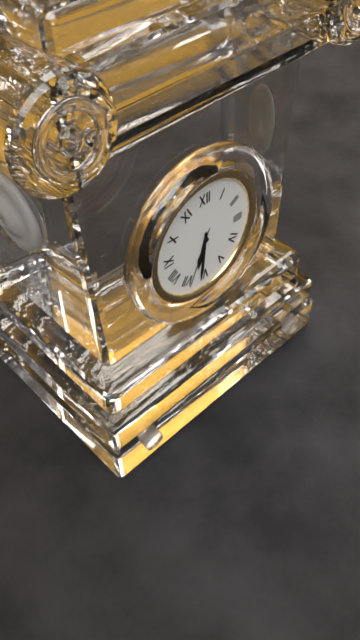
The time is 6:31:34
